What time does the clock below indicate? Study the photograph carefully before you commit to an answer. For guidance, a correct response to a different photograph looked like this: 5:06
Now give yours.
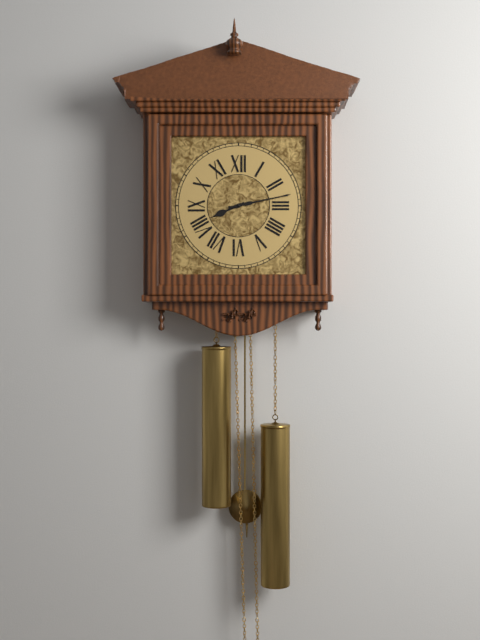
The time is 8:13
